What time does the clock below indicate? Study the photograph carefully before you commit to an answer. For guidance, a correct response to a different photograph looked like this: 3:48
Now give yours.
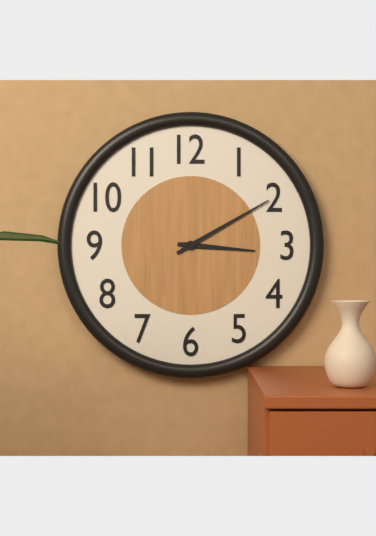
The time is 3:10
